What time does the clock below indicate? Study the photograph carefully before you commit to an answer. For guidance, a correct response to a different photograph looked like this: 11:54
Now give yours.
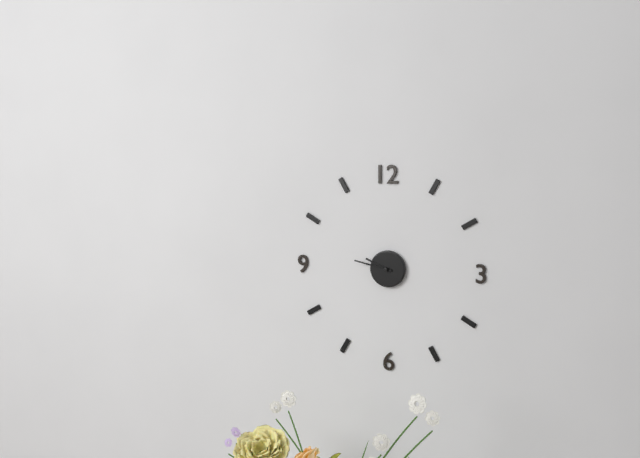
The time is 9:47
